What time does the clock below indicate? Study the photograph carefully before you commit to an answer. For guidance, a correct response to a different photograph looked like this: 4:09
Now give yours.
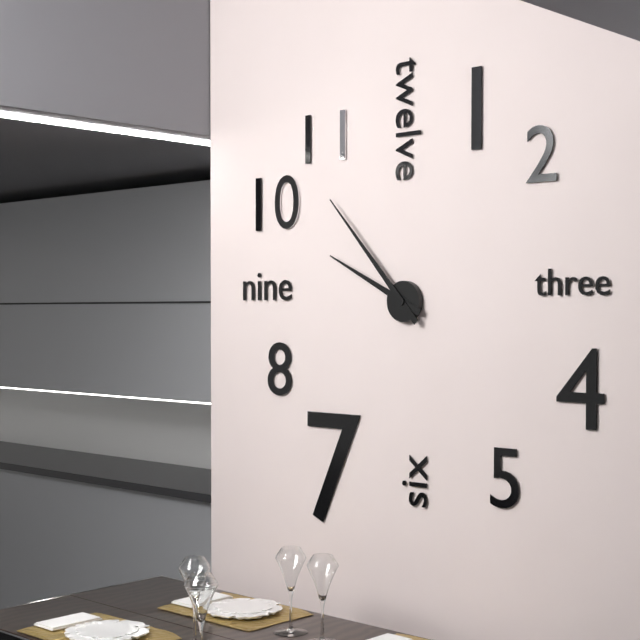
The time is 9:53
